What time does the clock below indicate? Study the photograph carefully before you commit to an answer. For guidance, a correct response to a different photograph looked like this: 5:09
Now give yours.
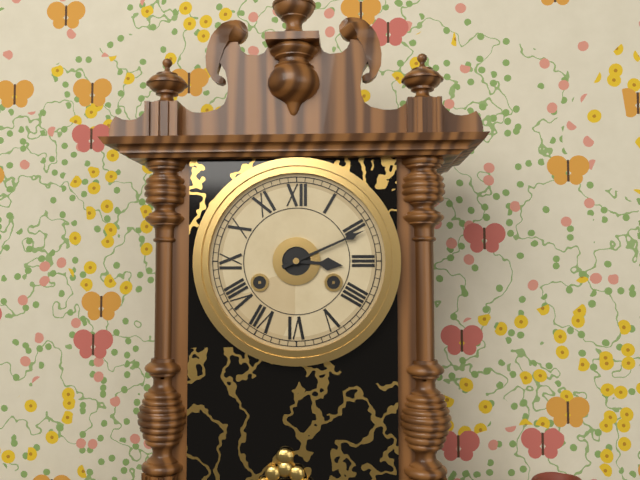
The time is 3:11
